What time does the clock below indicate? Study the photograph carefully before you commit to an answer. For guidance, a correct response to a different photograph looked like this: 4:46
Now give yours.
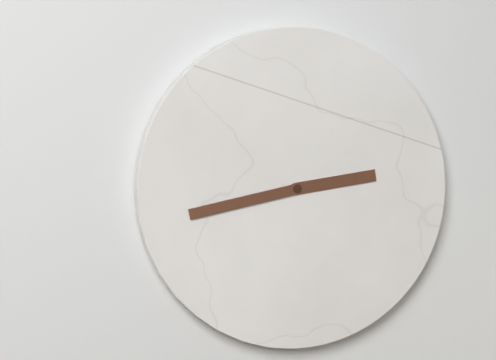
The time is 2:43
